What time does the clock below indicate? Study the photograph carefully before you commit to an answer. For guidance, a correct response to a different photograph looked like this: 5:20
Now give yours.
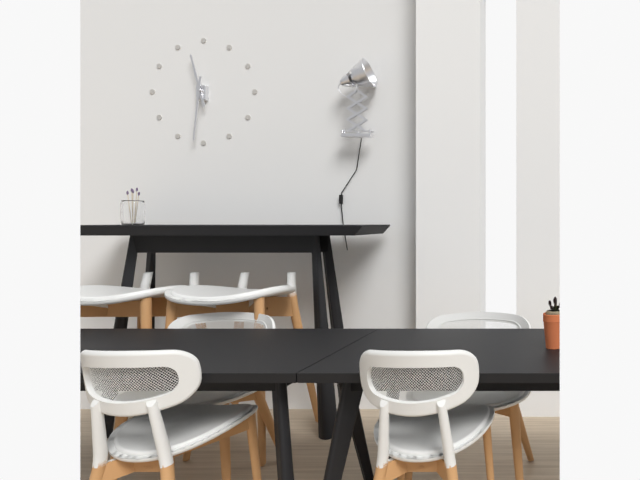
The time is 11:31
